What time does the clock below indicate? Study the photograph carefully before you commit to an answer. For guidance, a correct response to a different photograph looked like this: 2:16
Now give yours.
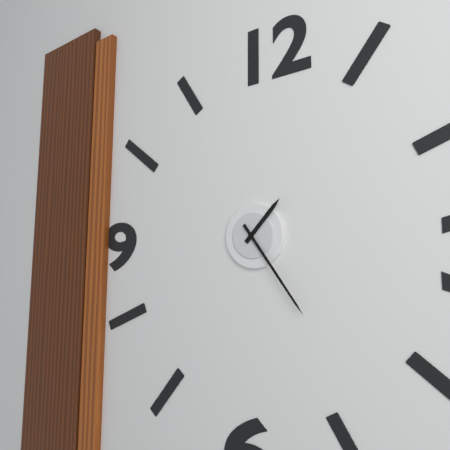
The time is 1:24
